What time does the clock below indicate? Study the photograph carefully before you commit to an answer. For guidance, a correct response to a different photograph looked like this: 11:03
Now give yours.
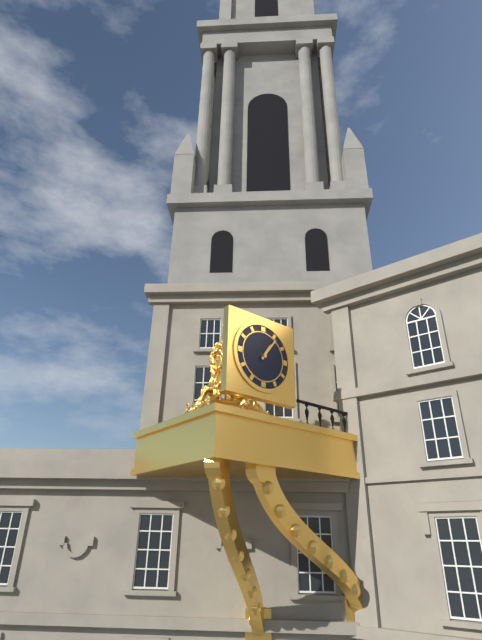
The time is 1:06
